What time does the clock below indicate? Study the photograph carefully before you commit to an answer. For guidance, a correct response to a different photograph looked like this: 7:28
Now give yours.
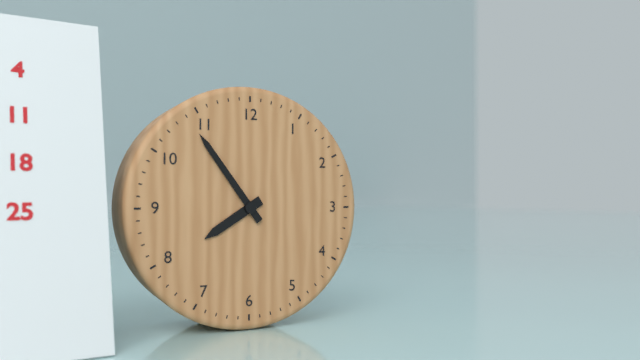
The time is 7:54
